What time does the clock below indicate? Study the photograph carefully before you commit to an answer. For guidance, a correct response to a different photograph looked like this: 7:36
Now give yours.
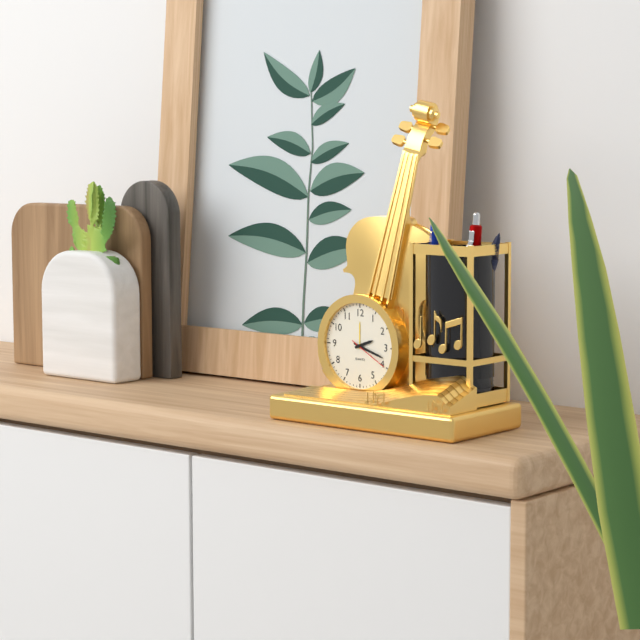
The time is 2:18
